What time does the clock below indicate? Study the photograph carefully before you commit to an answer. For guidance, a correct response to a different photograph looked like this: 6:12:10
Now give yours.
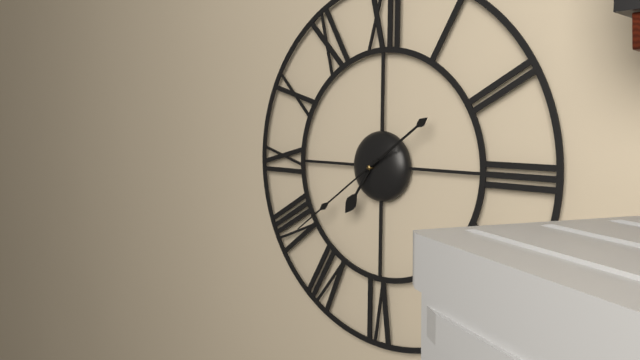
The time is 7:09:39
